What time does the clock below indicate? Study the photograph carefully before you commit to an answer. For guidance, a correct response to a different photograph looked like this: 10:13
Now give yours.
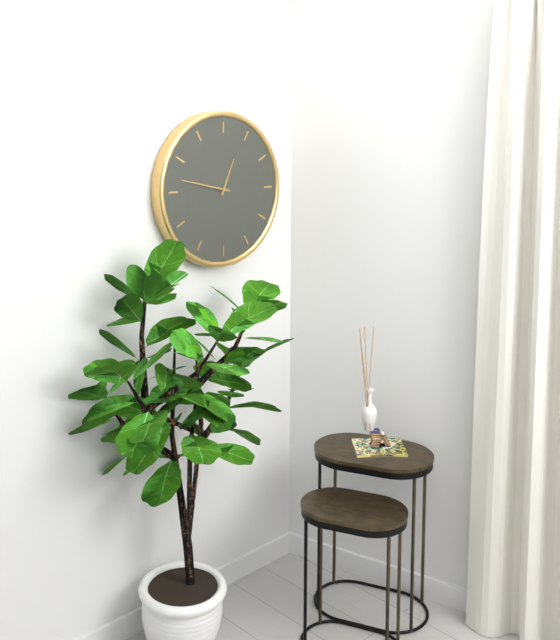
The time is 12:47
